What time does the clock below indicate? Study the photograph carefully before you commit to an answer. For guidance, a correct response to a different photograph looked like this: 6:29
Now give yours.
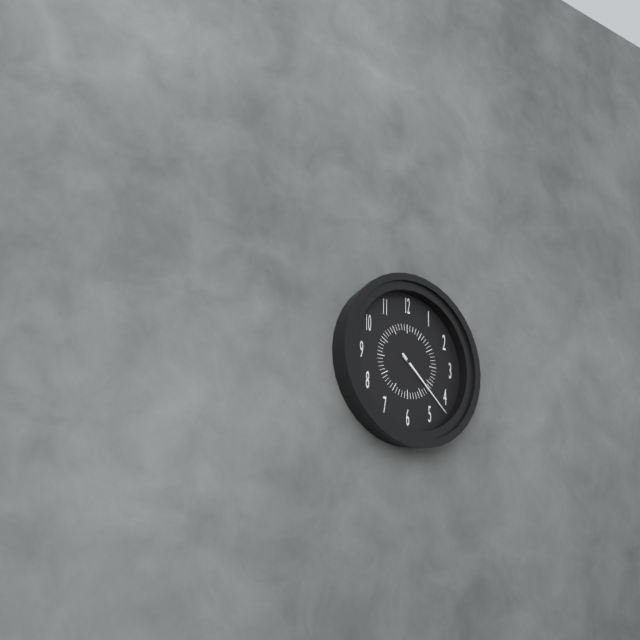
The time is 4:22
